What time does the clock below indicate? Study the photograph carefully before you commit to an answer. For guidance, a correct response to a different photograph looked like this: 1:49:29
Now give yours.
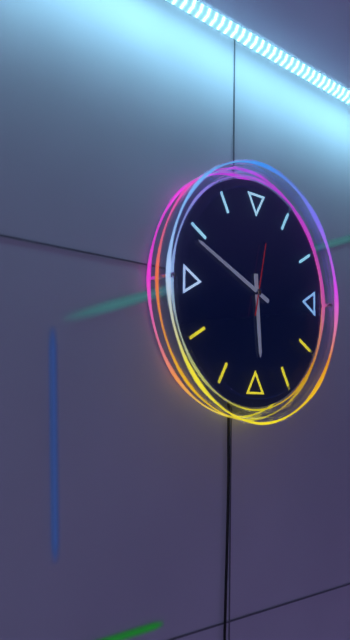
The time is 5:49:02
